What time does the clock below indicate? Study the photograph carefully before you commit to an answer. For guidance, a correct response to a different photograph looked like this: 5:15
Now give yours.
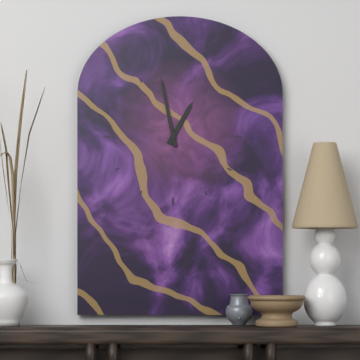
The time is 12:58
